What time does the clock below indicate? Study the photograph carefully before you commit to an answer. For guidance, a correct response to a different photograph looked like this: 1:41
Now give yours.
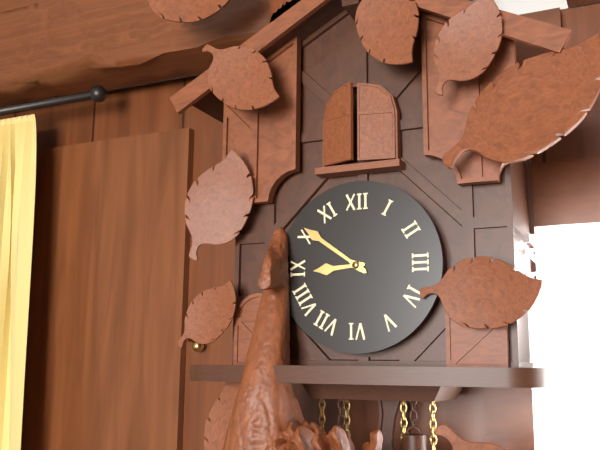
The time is 8:51
